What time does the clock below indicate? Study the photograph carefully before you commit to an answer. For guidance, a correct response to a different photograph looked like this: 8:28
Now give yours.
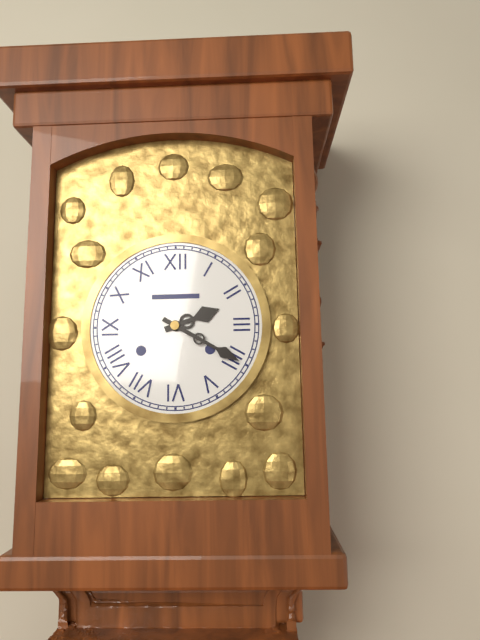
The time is 2:20
